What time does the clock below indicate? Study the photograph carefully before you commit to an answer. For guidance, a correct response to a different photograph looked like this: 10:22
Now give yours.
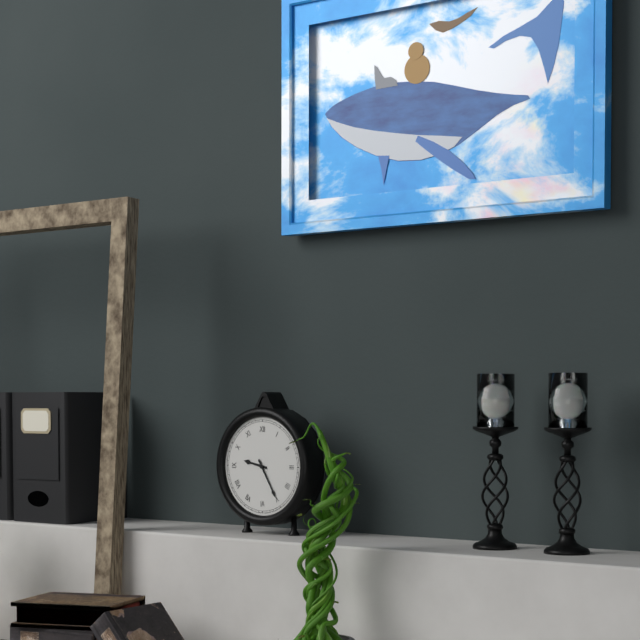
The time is 9:25
